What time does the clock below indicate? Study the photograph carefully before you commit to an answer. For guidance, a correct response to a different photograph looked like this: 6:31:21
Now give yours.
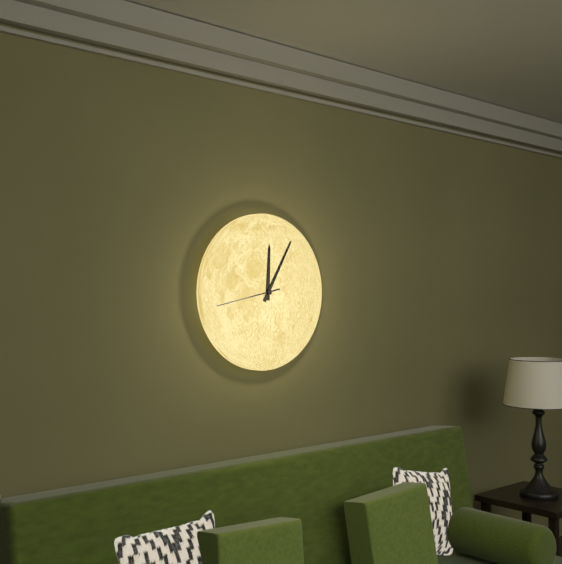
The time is 12:05:43
